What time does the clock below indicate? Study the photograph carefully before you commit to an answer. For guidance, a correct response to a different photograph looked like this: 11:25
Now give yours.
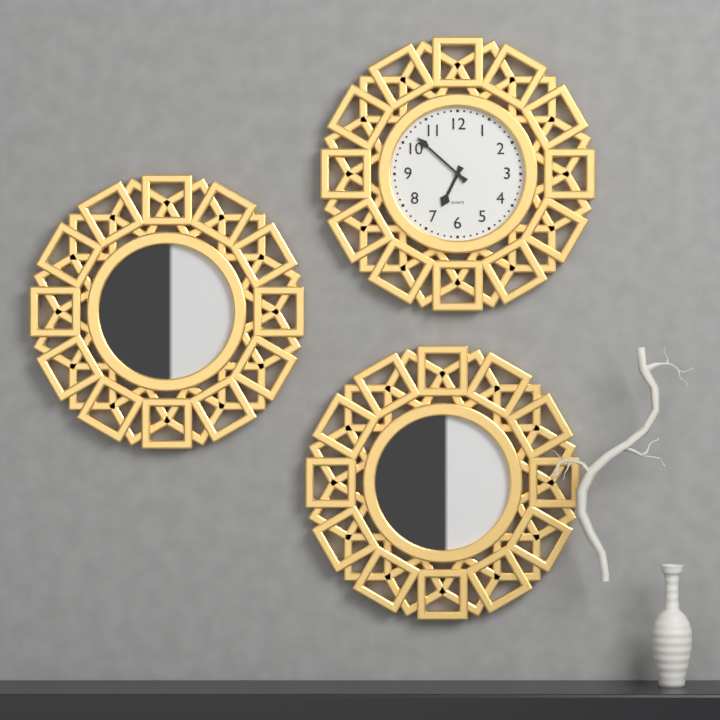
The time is 6:52
